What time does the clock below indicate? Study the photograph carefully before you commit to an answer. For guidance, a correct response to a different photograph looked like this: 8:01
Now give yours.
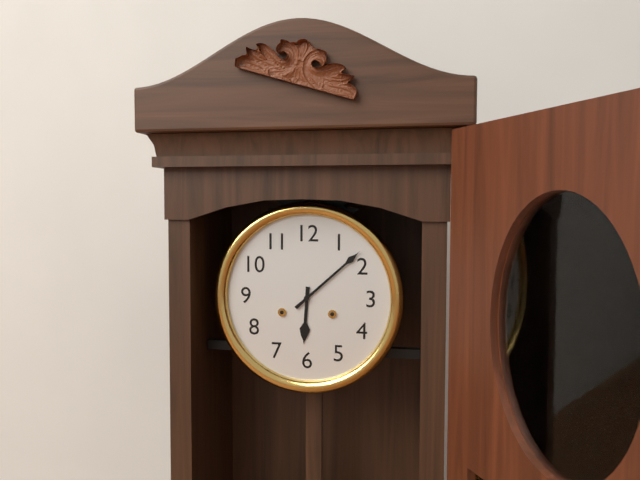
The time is 6:08
